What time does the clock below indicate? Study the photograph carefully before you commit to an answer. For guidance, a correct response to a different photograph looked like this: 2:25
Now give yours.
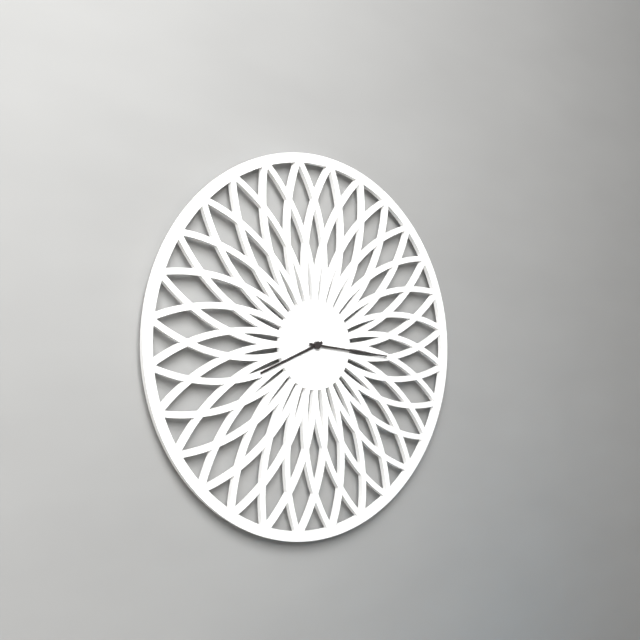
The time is 8:16
